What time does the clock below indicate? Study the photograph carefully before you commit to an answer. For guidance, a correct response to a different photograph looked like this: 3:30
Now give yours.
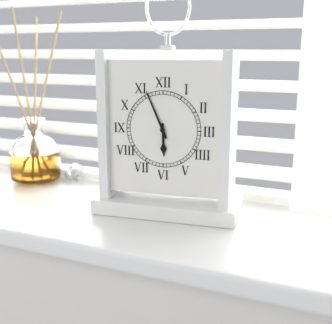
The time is 5:56
